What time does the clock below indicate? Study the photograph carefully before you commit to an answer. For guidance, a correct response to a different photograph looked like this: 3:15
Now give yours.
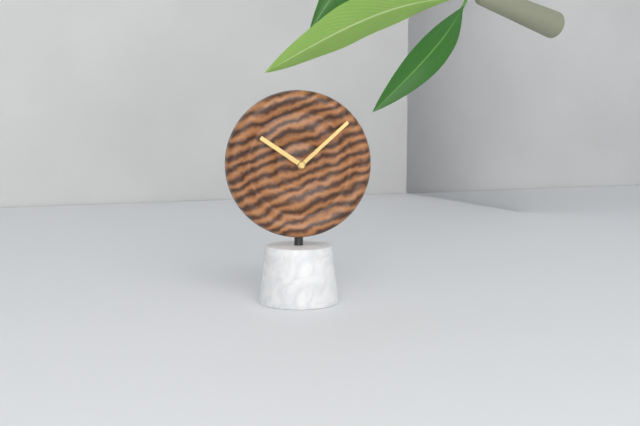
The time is 10:08
